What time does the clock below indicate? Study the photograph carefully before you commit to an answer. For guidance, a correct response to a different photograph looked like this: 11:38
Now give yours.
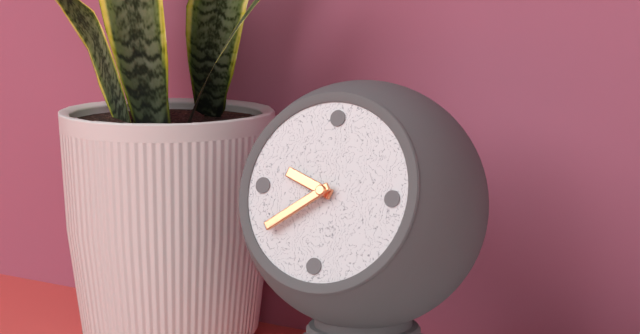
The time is 9:39
